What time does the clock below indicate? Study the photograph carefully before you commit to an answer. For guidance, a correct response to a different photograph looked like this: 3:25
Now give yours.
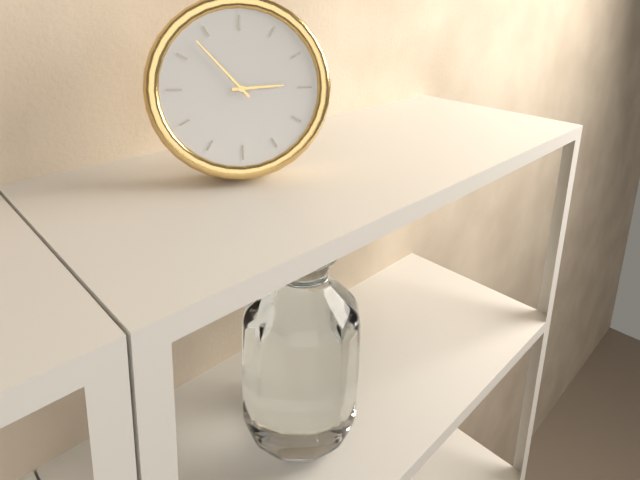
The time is 2:53
